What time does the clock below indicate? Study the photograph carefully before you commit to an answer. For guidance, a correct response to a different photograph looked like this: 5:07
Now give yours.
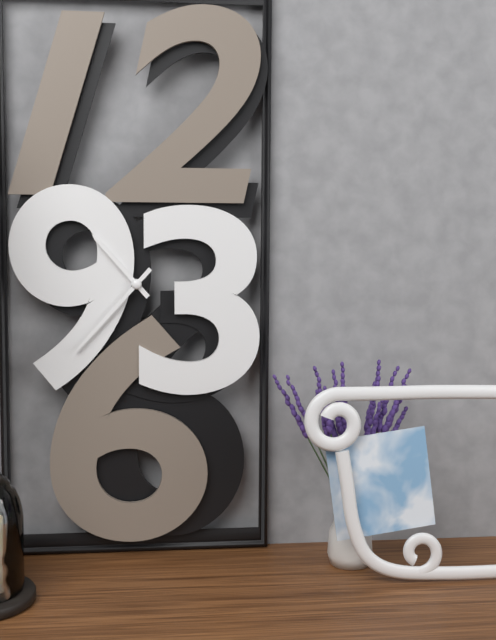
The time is 10:37
